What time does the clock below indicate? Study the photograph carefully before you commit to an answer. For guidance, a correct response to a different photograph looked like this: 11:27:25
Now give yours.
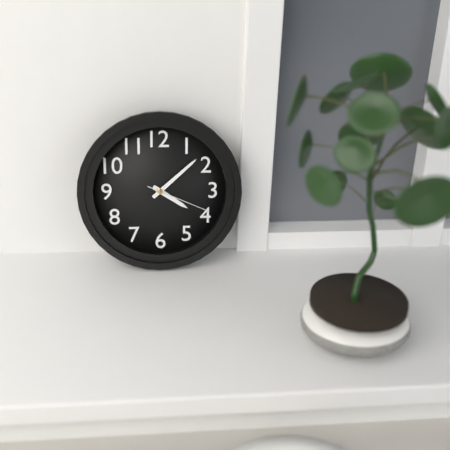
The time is 4:08:19
